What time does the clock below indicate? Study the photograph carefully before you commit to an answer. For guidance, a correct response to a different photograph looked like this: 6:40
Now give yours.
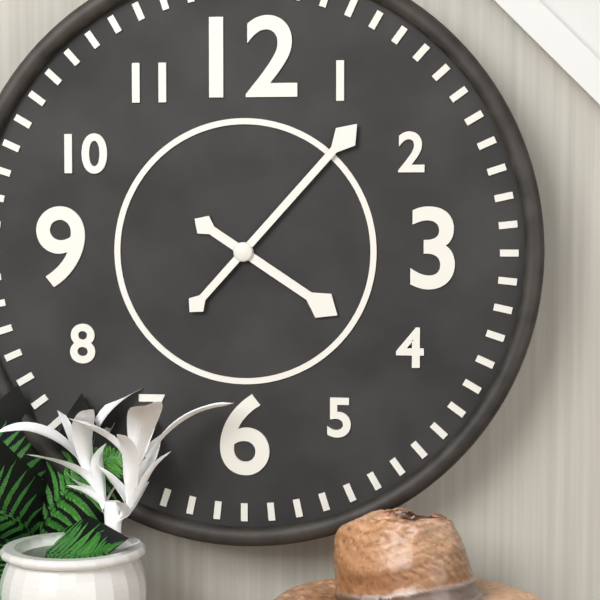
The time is 4:07
